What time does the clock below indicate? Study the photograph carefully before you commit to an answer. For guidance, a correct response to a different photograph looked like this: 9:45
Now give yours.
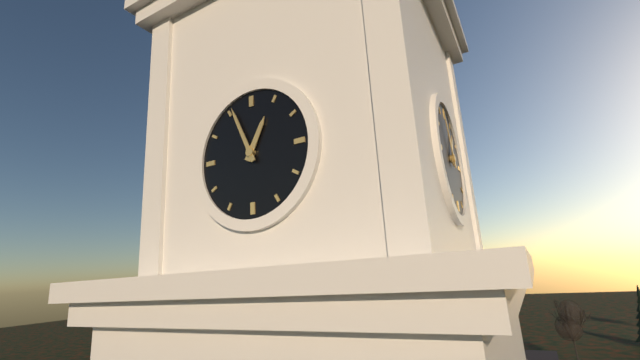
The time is 12:56
